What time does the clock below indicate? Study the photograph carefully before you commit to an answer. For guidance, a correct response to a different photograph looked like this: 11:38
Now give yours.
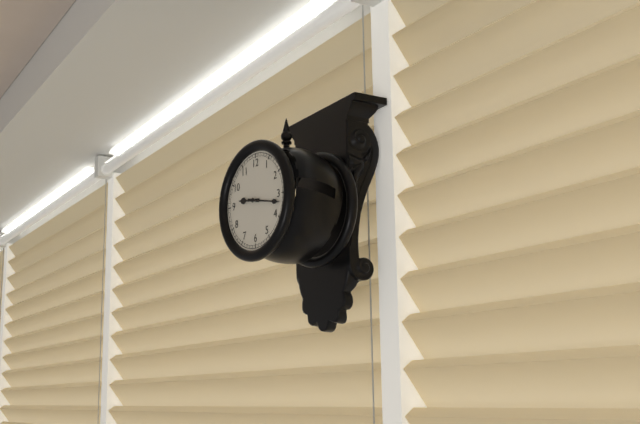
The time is 9:17
